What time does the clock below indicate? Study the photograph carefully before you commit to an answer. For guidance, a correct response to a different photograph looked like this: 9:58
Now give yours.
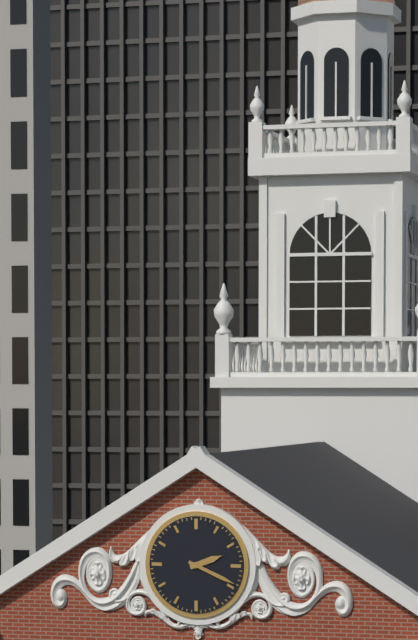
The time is 2:19
